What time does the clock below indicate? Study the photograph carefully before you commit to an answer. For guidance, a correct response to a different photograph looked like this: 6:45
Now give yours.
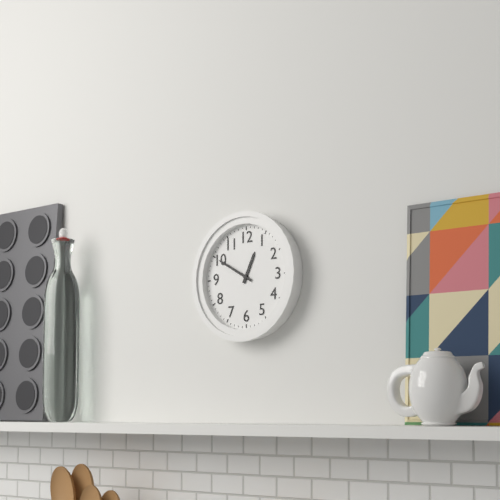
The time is 12:50
